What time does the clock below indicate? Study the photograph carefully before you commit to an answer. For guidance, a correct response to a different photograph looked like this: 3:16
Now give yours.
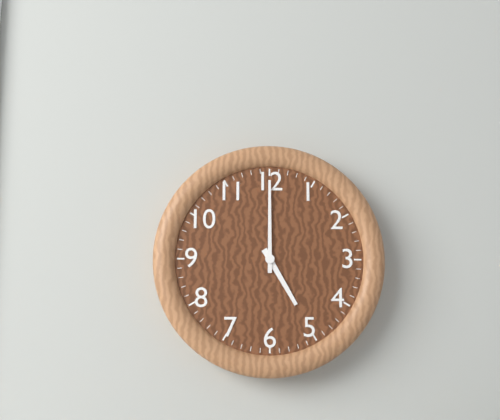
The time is 5:00
